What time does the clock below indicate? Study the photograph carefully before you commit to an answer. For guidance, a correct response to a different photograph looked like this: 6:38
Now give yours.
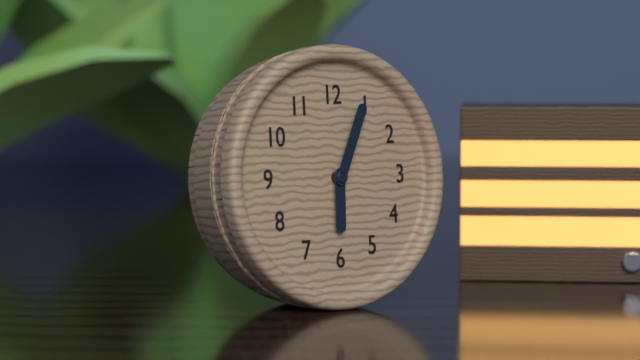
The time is 6:04
